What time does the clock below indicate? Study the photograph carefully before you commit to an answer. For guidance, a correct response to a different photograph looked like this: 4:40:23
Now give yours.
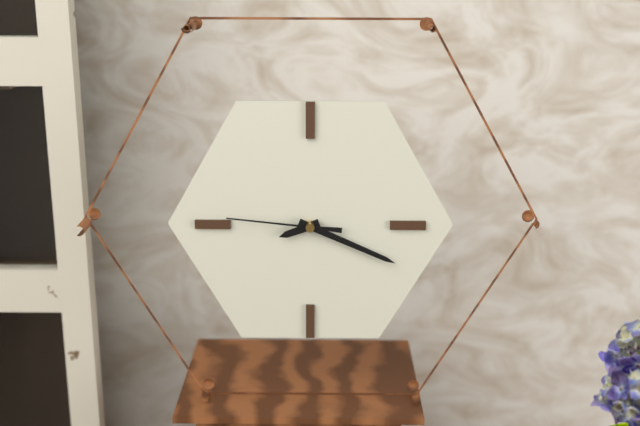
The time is 8:19:46
